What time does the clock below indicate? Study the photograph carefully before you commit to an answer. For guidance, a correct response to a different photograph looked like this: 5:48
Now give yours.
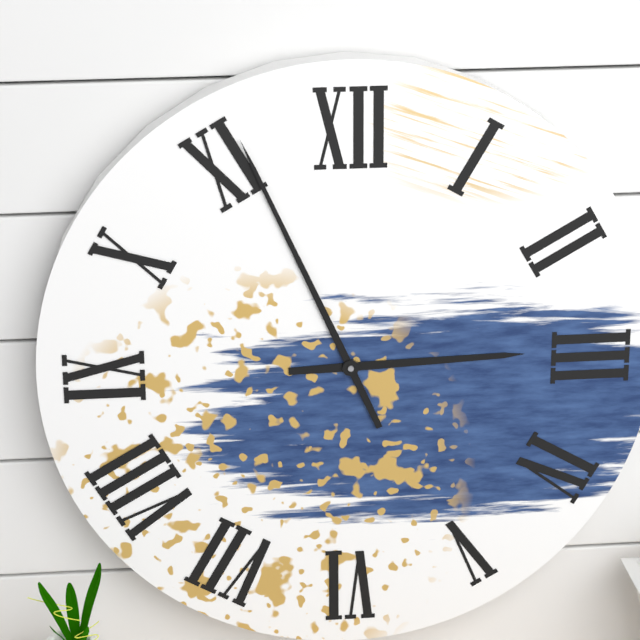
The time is 2:56
